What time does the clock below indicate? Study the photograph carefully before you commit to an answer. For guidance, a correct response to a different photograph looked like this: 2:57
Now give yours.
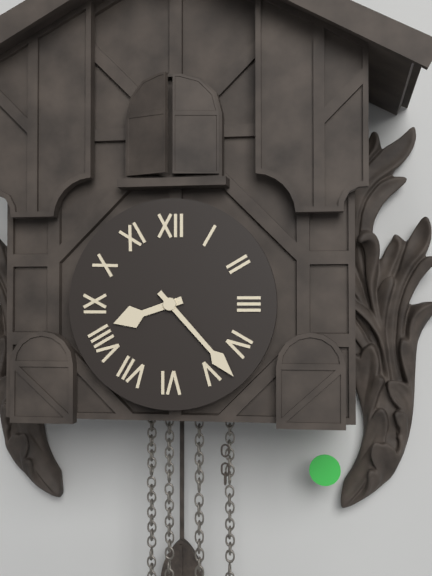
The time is 8:23
